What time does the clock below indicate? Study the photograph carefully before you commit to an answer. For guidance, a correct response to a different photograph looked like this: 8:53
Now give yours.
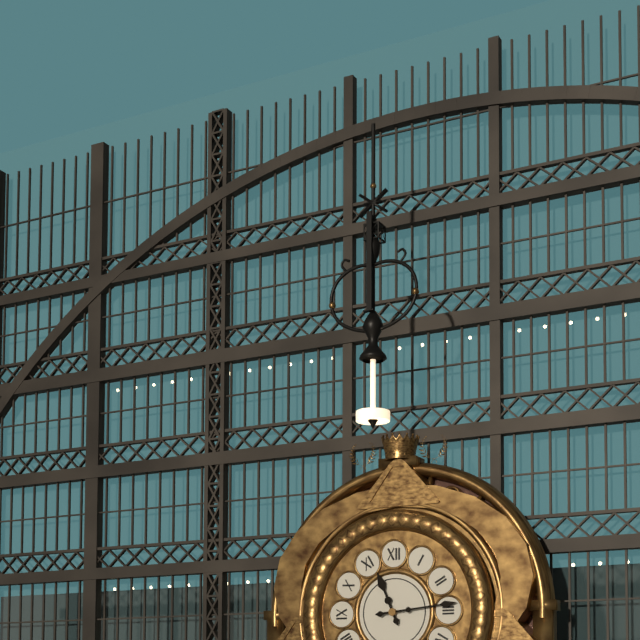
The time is 11:14
